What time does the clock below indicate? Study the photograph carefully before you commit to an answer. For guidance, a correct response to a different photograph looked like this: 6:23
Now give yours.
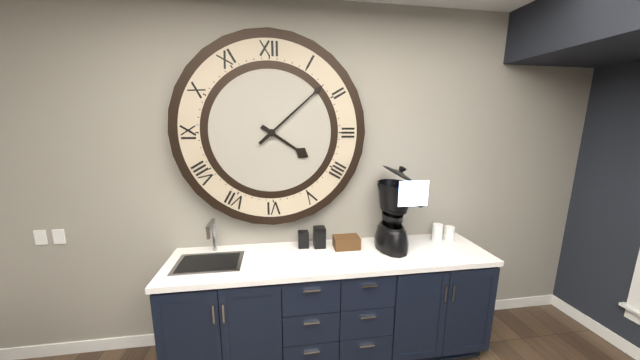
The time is 4:08
